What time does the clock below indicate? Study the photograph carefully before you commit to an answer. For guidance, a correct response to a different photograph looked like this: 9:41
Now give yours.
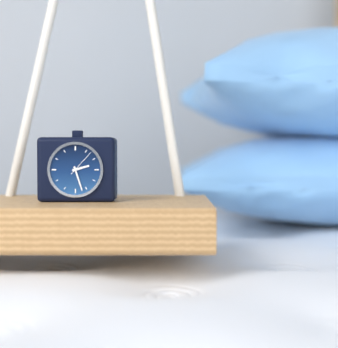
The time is 2:27
